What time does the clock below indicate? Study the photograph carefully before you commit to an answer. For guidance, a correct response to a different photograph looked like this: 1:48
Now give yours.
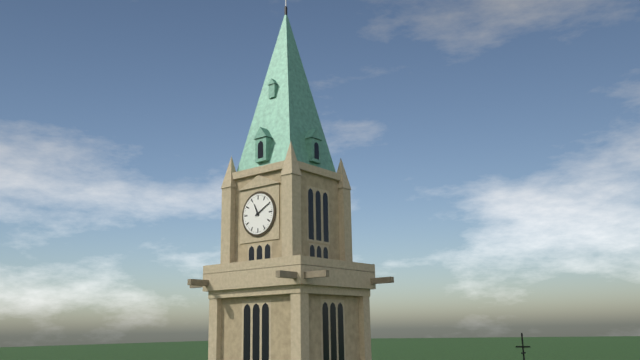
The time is 11:10
